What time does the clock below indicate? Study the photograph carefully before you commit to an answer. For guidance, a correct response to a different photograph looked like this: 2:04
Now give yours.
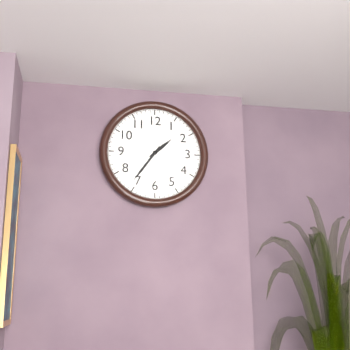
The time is 1:36
